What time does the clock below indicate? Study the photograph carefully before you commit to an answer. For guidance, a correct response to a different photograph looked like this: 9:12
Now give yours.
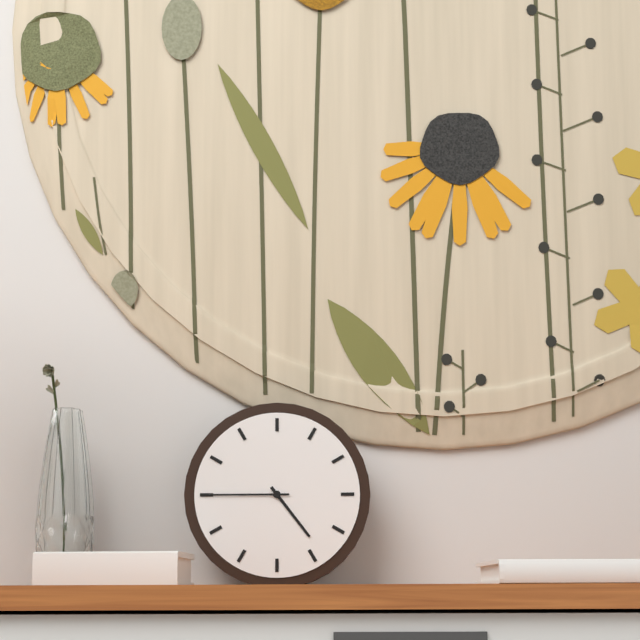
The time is 4:45
